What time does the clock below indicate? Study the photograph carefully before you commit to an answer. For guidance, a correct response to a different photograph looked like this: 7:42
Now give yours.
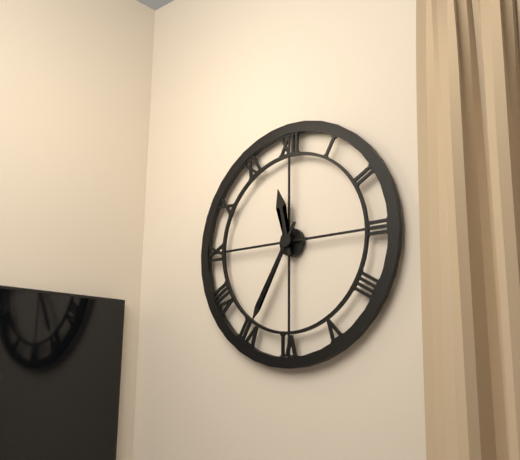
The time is 11:35
